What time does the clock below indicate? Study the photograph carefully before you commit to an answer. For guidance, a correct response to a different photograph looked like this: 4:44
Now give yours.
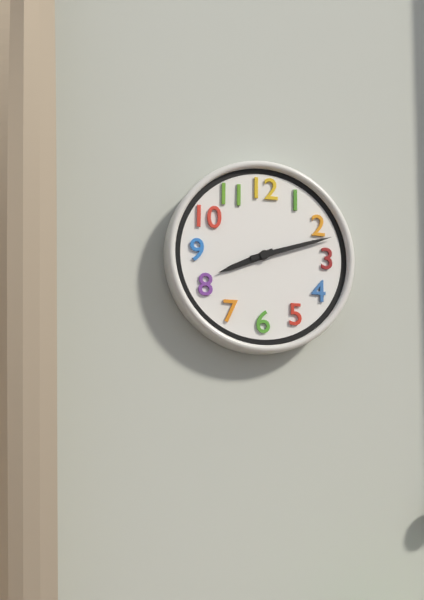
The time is 8:12
